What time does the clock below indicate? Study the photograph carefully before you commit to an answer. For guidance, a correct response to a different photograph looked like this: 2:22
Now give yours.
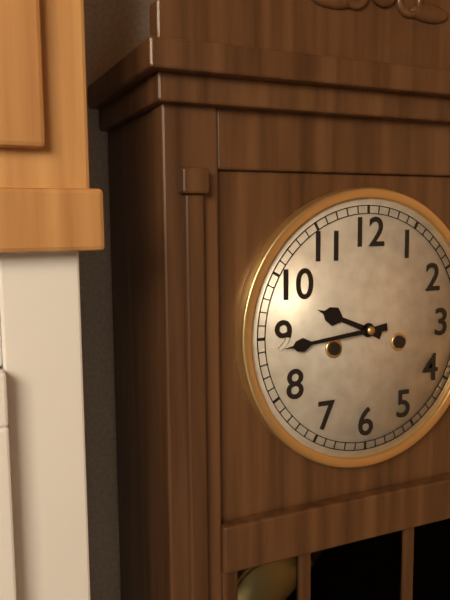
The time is 9:44
